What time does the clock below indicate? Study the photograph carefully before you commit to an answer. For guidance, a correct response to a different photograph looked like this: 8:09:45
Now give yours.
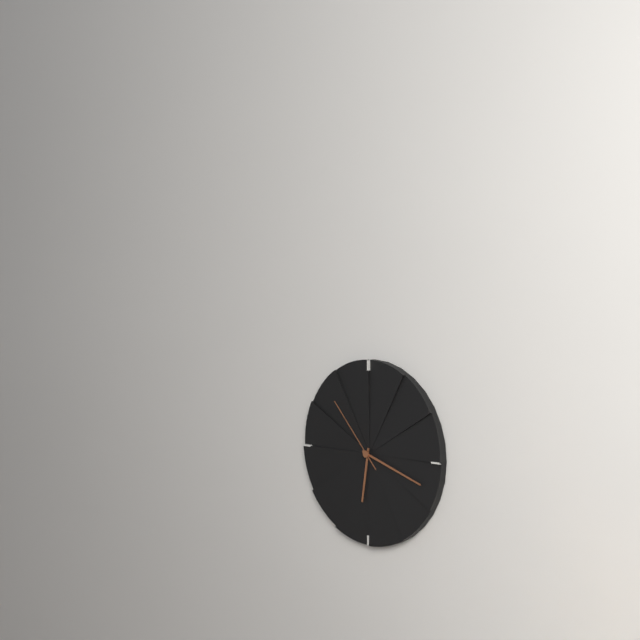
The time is 6:18:53
